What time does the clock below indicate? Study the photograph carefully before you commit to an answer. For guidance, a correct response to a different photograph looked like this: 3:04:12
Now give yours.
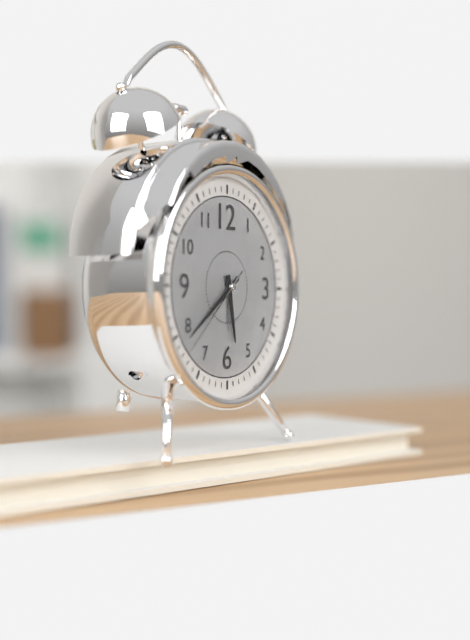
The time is 5:39:38
